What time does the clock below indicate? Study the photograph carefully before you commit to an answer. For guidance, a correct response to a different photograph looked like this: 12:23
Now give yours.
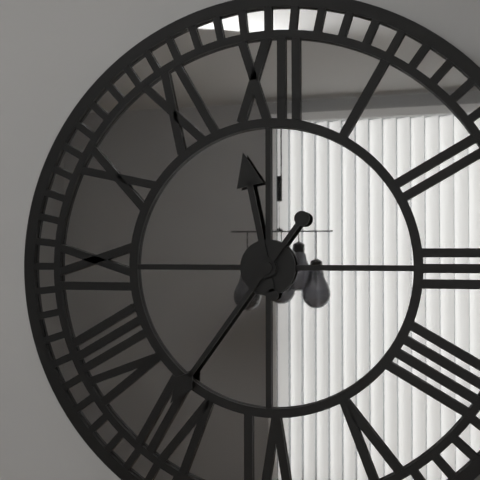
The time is 11:36
